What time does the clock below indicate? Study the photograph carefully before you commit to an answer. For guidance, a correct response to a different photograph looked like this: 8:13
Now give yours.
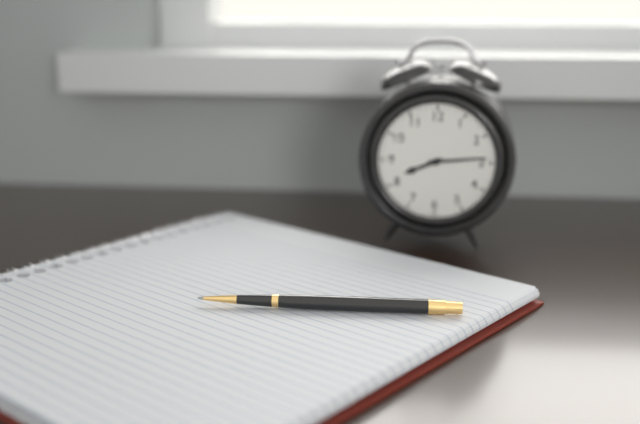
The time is 8:14
